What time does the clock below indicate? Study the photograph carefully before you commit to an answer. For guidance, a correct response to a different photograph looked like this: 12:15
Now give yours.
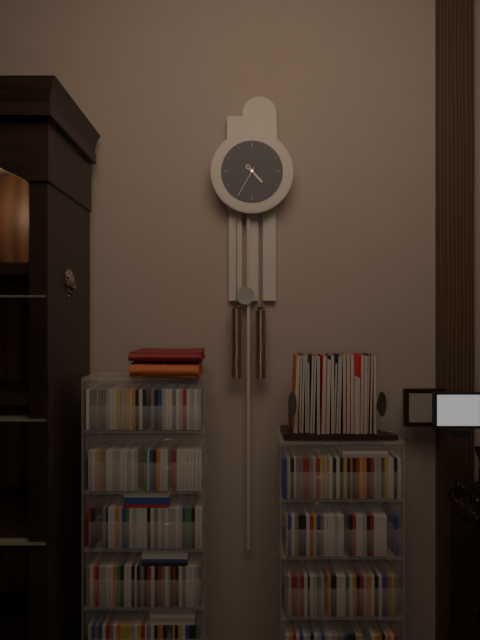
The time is 4:35
